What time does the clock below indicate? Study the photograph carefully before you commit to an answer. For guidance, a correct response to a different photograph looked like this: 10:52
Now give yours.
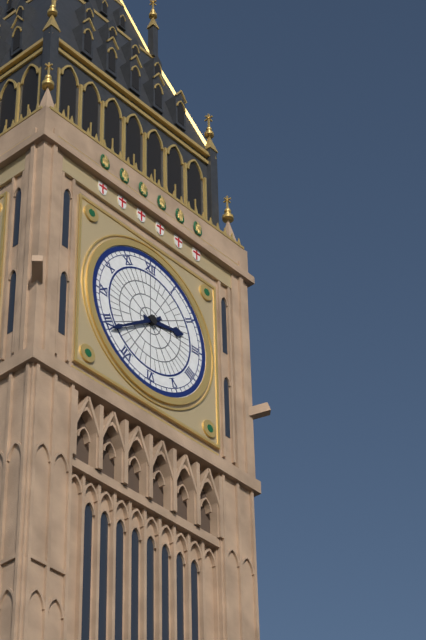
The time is 2:39
